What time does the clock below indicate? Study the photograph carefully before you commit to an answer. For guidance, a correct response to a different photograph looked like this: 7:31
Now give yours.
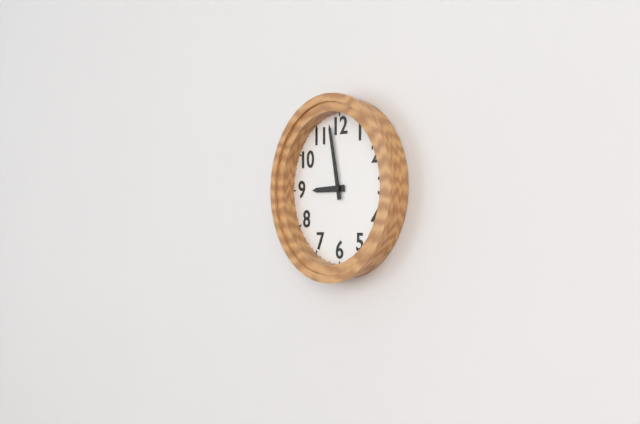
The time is 8:58
